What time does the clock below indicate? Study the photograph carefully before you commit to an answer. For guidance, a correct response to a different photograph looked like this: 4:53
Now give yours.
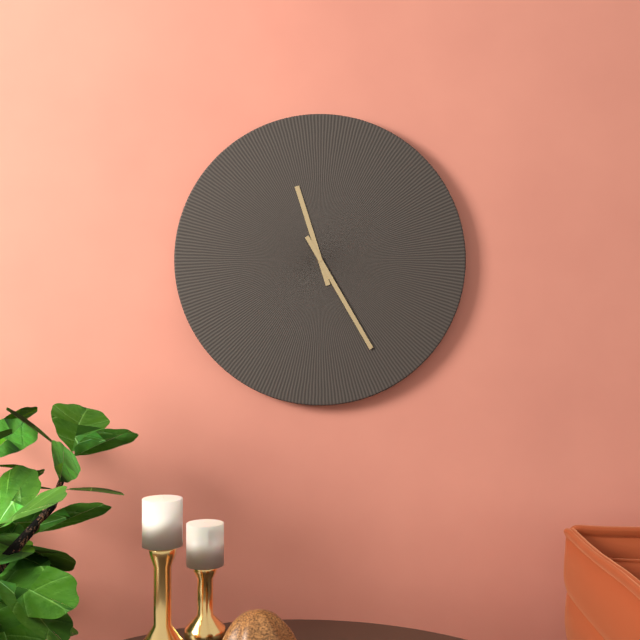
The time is 11:25
